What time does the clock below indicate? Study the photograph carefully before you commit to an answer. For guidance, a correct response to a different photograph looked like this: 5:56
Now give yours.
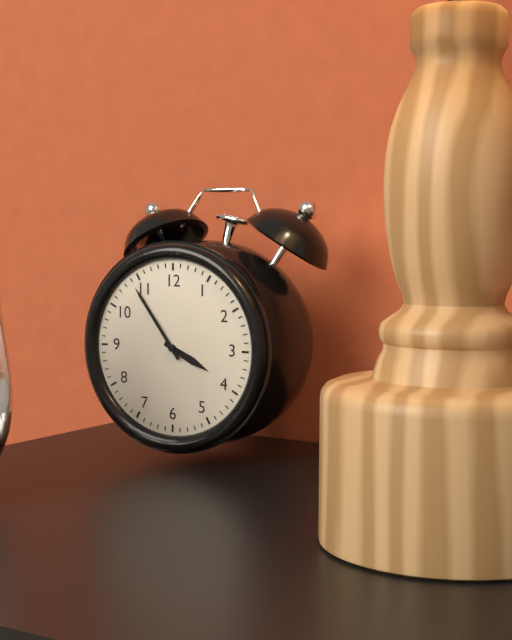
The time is 3:54
